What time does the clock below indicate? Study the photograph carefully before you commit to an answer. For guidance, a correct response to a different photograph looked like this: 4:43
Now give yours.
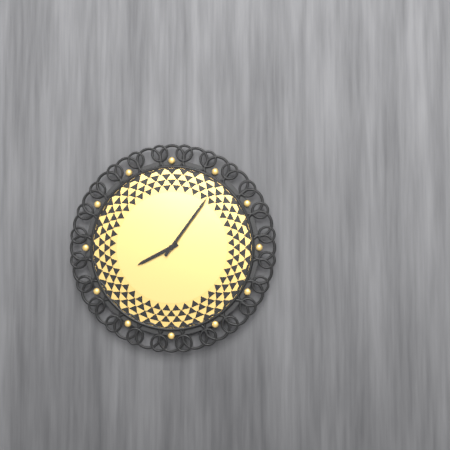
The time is 8:06
